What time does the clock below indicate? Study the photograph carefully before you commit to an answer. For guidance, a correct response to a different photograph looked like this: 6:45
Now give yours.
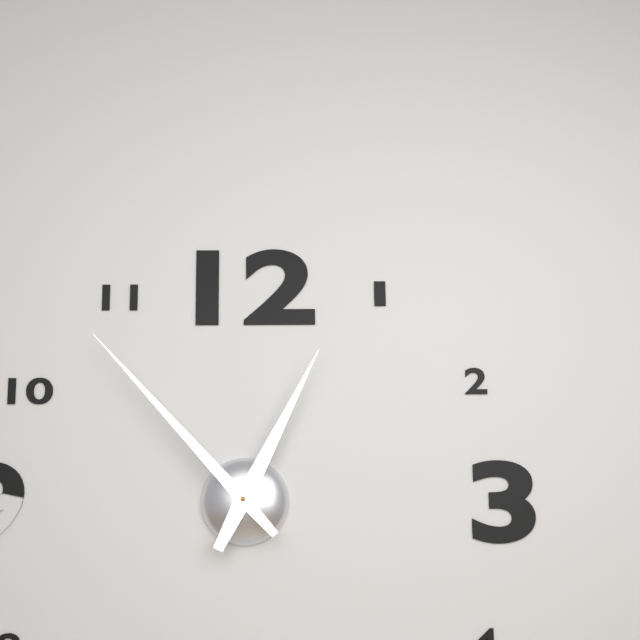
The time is 12:53
